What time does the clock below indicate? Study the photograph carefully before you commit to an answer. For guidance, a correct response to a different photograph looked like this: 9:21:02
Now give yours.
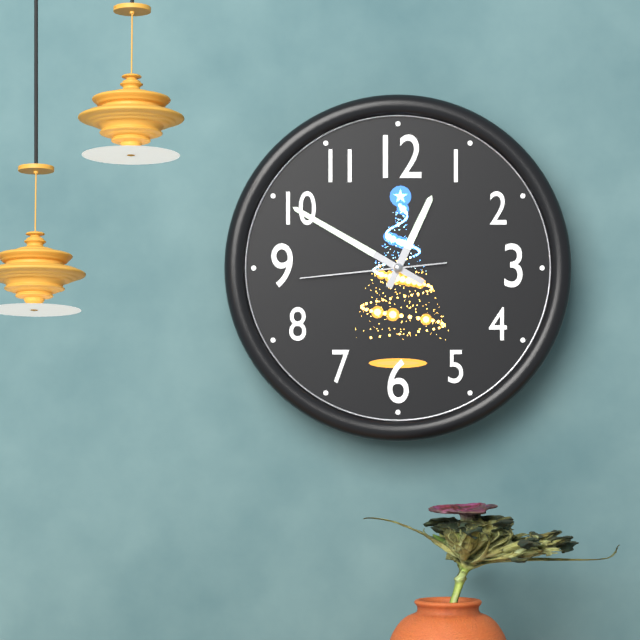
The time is 12:50:44
